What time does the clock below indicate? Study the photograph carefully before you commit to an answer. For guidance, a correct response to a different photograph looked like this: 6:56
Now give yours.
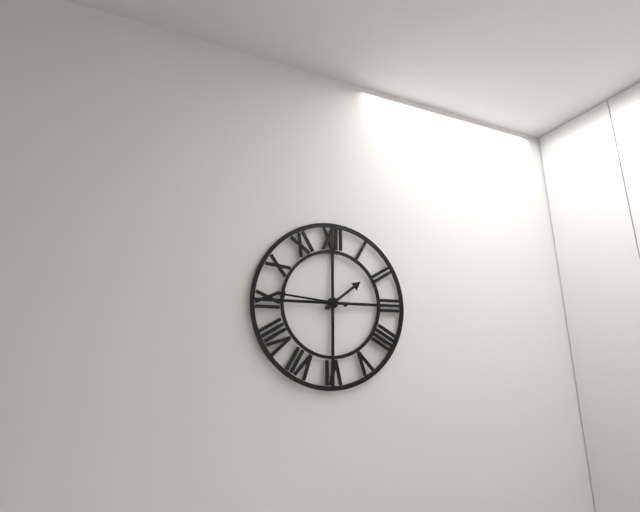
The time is 1:46
